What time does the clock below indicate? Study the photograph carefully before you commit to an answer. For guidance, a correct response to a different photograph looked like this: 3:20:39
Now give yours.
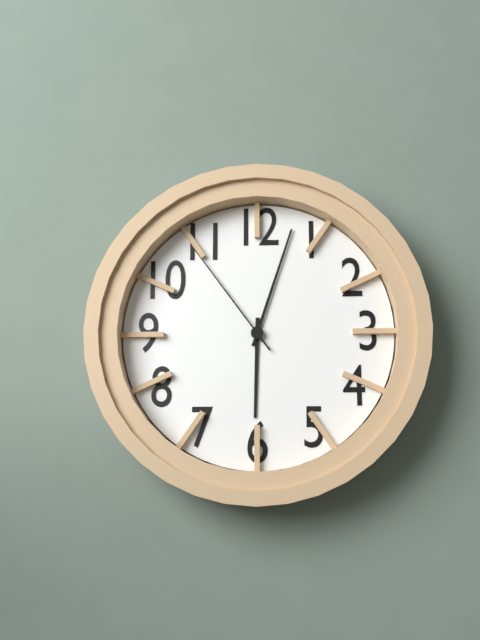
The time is 6:03:54
